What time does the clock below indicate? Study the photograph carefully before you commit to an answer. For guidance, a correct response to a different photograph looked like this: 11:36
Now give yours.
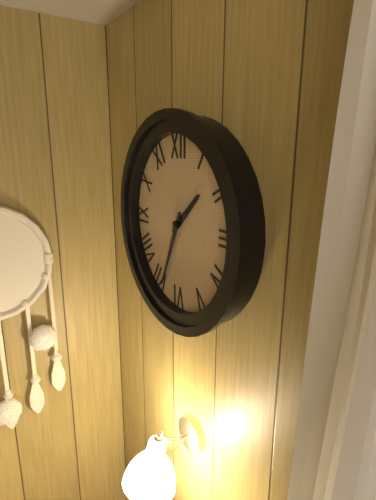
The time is 1:34
